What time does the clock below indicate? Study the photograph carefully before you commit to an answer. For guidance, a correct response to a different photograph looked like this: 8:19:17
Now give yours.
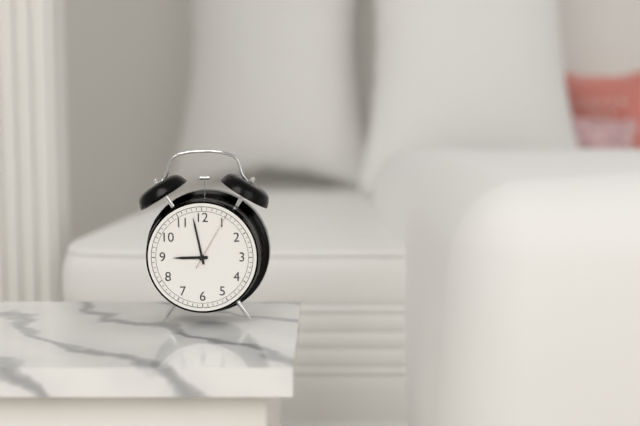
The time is 8:58:05
